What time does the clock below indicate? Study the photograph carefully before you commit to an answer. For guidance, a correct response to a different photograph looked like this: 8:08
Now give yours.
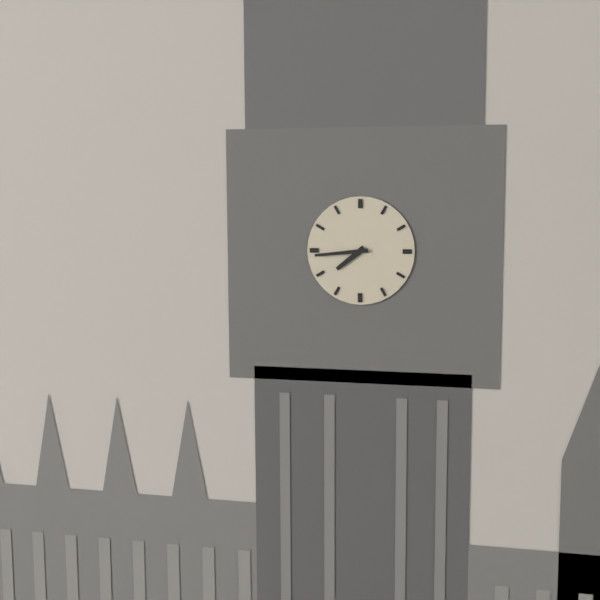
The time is 7:44
